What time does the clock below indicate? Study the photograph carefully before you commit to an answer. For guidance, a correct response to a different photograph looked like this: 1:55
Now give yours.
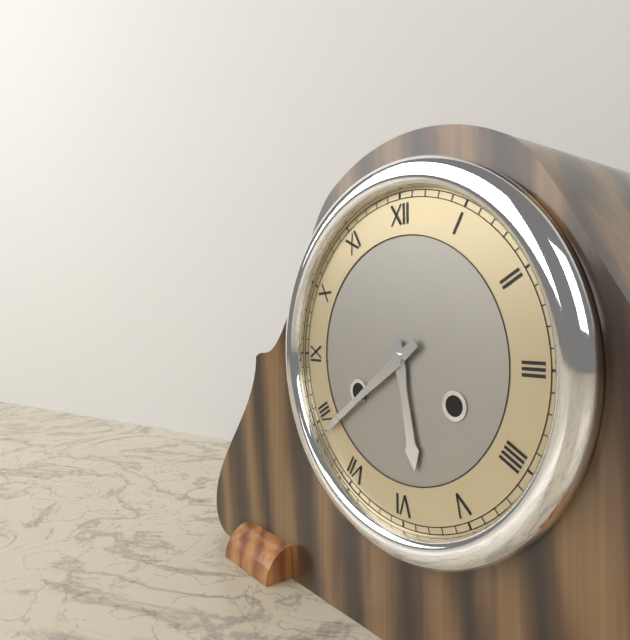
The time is 5:39
